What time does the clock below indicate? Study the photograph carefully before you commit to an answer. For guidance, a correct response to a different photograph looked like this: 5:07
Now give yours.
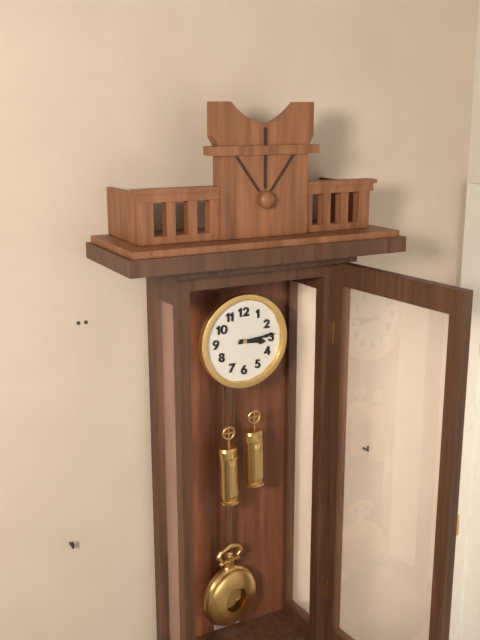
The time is 3:14
